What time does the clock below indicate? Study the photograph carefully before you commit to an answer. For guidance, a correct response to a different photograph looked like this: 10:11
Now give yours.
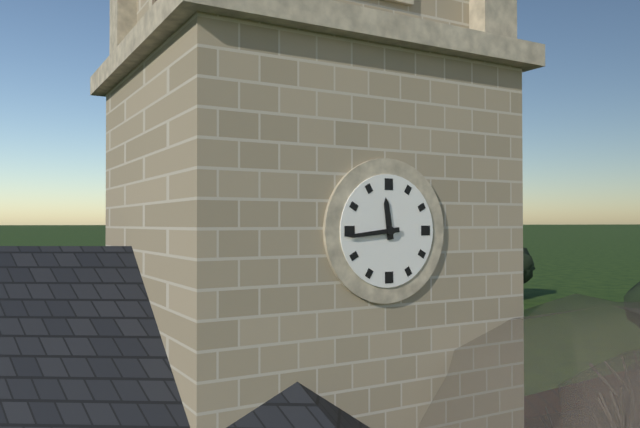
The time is 11:44
